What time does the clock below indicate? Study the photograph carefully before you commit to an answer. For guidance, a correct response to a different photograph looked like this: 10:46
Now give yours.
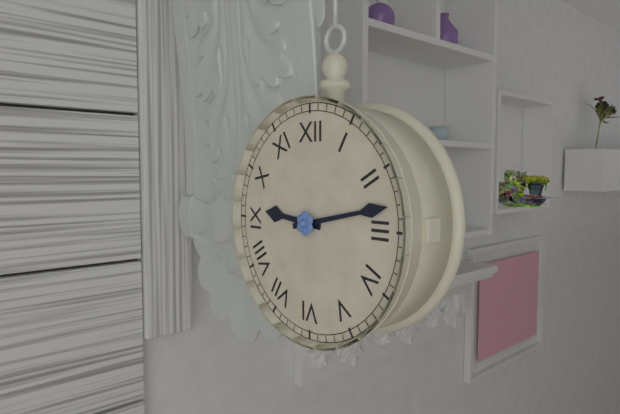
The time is 9:13
